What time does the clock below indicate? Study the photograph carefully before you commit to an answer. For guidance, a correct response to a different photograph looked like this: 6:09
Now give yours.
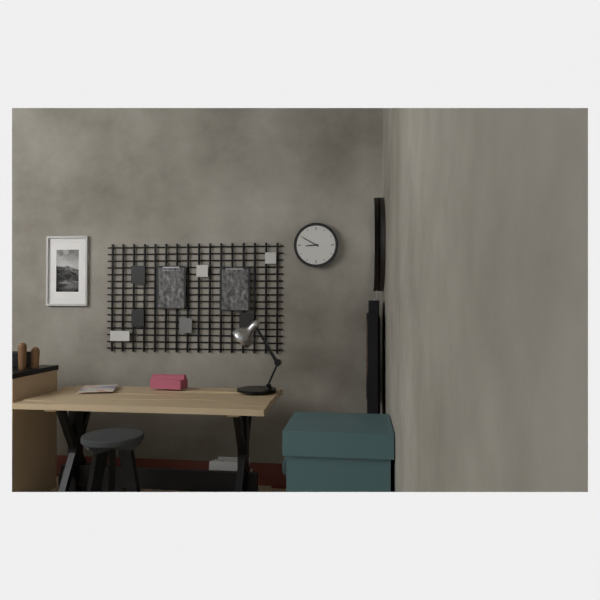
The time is 8:50
